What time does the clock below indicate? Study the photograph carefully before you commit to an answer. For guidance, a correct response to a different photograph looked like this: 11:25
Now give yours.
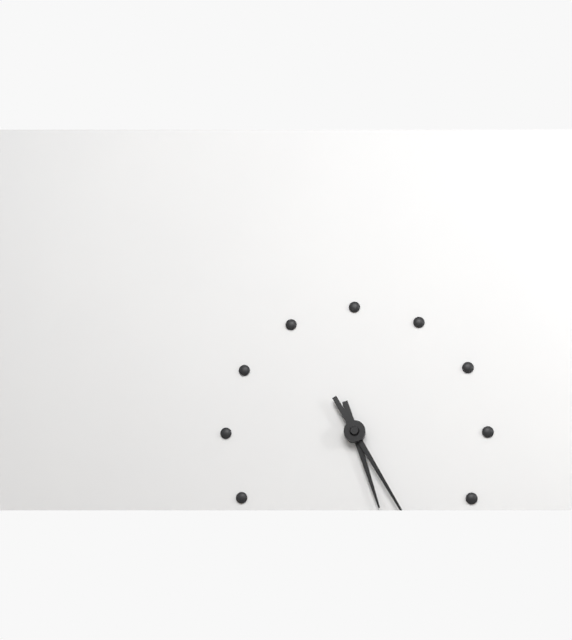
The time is 5:25
